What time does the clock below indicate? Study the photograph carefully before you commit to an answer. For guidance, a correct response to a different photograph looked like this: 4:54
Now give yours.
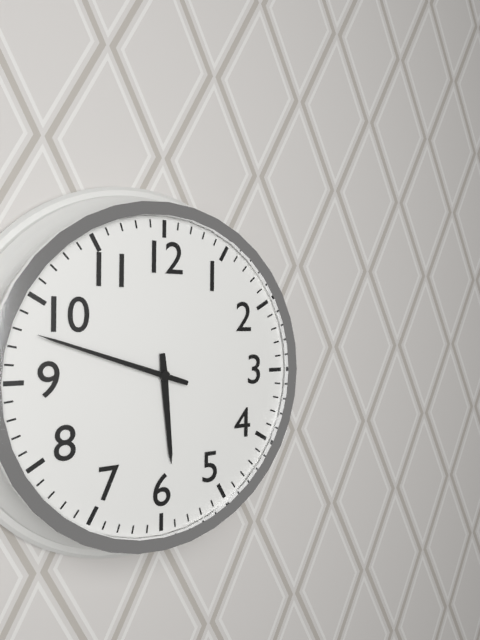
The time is 5:48
